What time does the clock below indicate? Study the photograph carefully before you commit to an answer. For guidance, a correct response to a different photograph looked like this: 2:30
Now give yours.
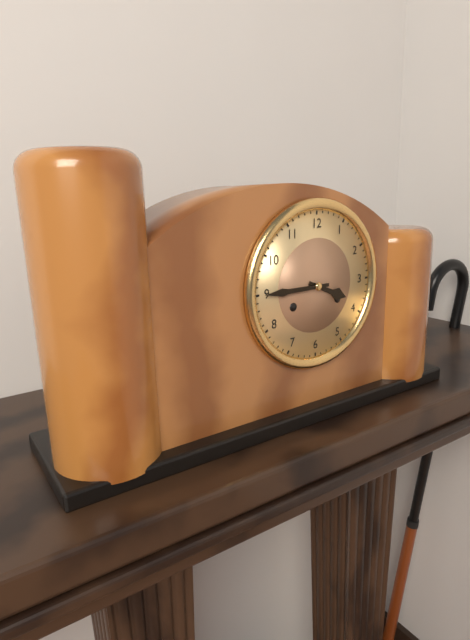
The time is 3:45
